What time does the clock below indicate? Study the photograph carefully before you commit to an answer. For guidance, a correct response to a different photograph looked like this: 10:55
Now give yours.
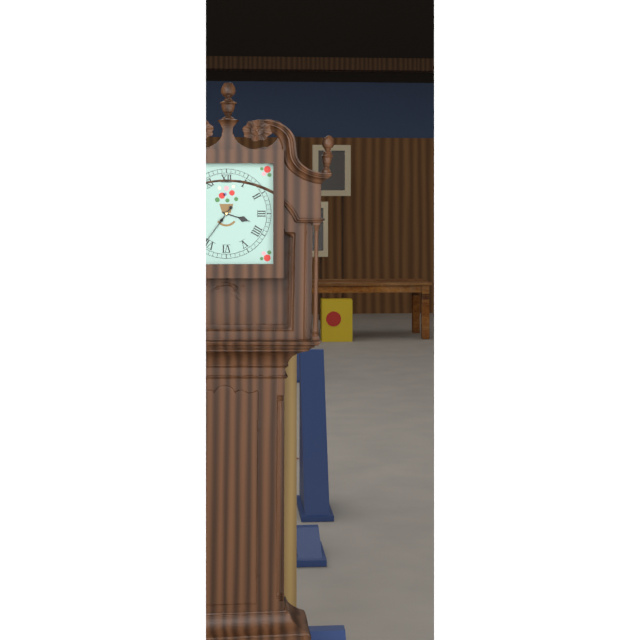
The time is 3:36
